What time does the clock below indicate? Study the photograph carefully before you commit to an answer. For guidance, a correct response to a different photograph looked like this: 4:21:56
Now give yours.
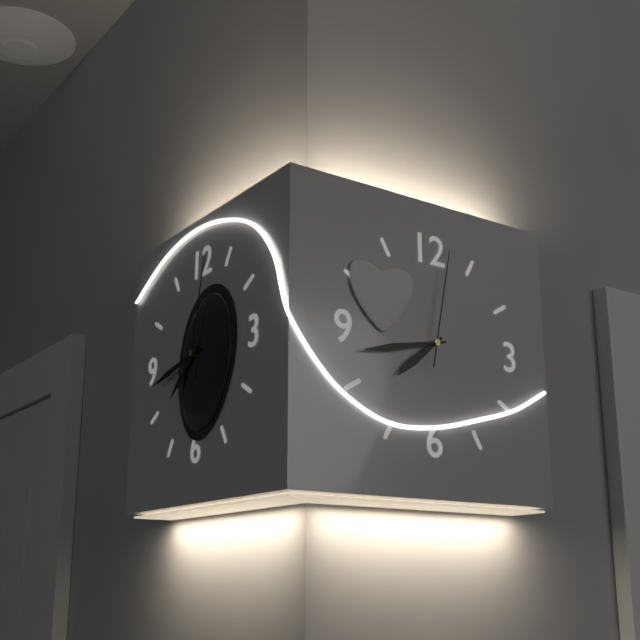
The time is 7:43:02
